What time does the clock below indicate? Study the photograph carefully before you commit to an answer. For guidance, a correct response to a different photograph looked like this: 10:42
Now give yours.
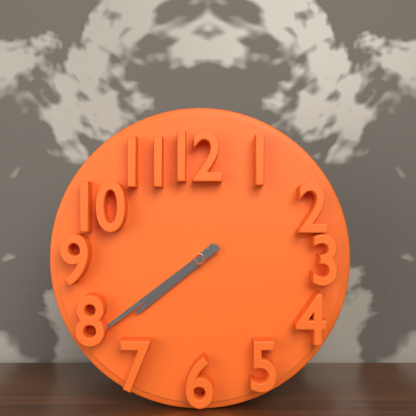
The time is 7:39
